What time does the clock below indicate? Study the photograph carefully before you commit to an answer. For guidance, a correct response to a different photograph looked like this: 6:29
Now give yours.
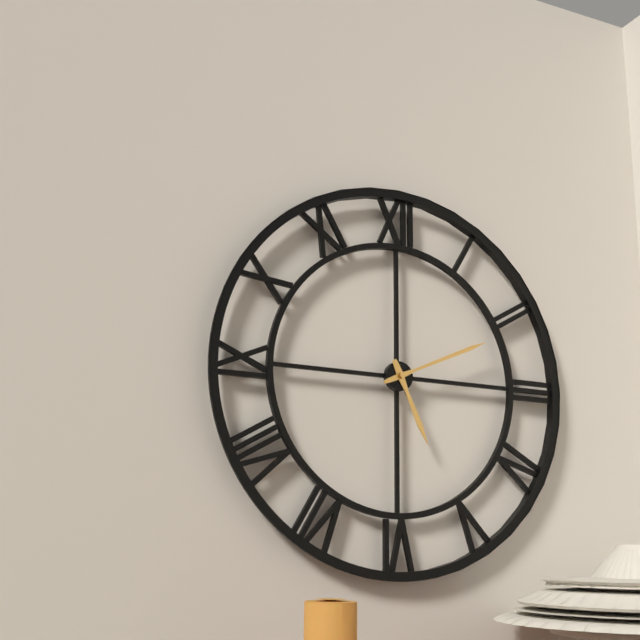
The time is 5:11
